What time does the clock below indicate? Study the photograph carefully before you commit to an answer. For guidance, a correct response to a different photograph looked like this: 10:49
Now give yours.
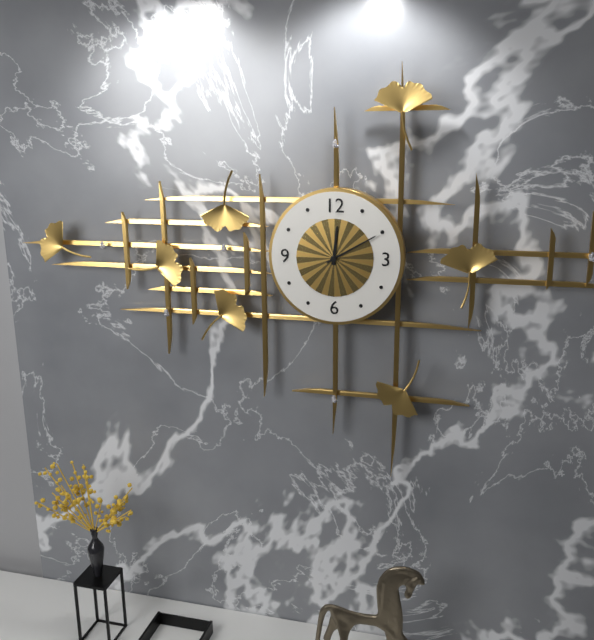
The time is 12:10
